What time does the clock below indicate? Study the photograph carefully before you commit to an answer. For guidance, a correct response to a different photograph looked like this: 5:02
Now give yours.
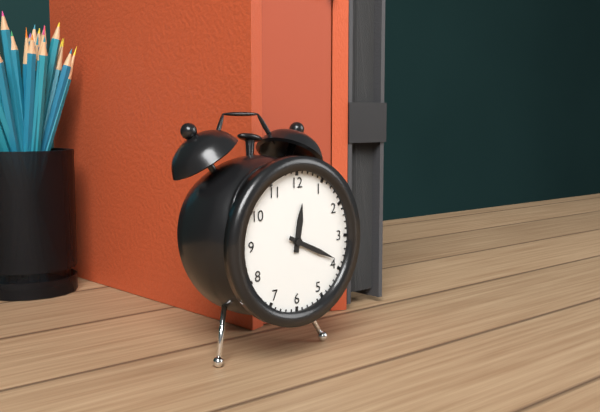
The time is 12:19
